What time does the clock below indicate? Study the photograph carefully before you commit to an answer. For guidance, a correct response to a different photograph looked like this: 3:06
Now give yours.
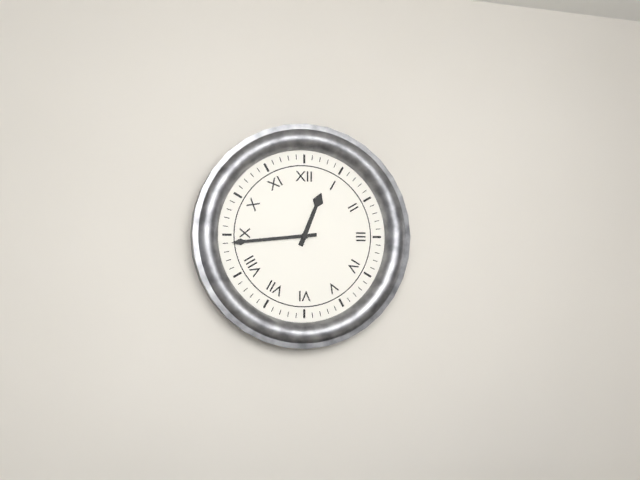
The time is 12:44
